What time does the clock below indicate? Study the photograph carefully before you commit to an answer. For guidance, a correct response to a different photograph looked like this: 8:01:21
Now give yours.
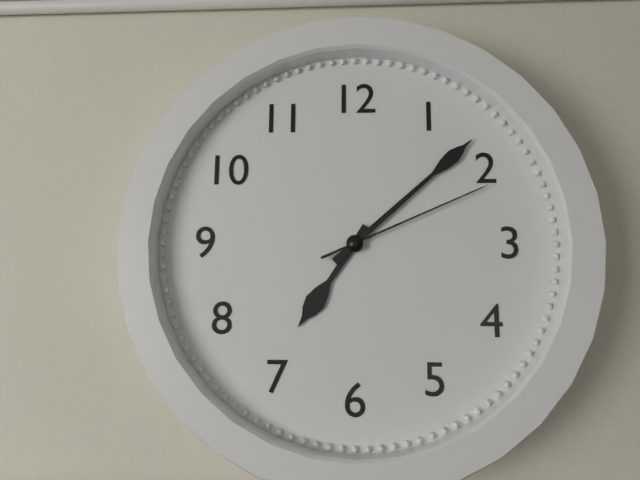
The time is 7:08:11
